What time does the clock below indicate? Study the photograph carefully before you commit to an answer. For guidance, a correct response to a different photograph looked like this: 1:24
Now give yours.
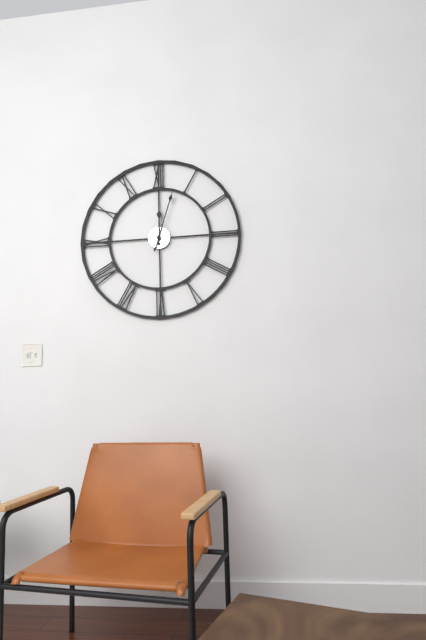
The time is 12:03
